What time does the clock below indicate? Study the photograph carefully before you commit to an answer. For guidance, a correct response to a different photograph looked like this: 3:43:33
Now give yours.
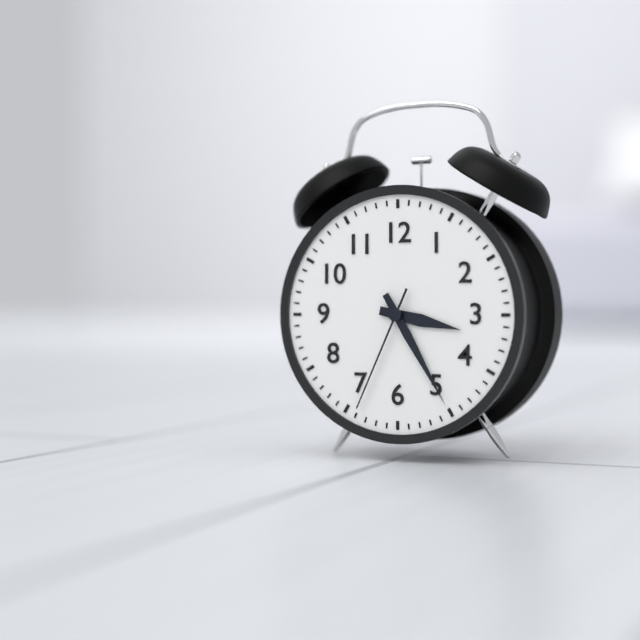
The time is 3:25:34
